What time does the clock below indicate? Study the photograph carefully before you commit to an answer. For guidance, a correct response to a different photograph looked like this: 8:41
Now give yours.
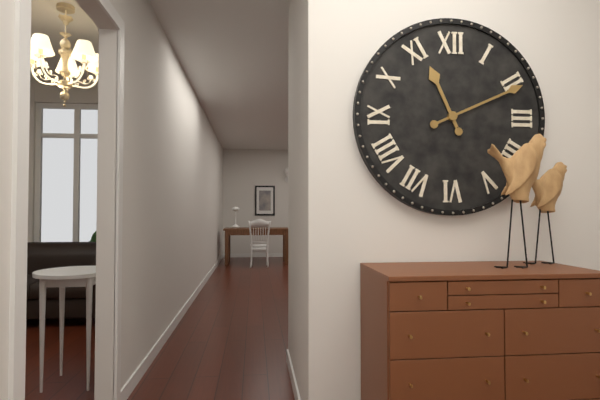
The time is 11:11
